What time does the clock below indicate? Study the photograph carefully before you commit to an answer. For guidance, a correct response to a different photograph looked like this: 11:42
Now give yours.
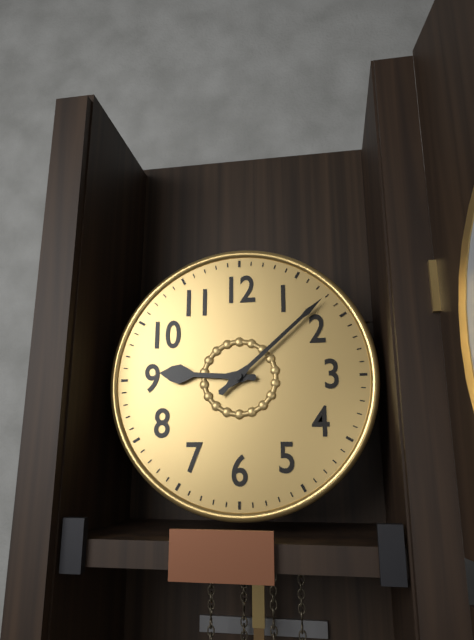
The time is 9:08
